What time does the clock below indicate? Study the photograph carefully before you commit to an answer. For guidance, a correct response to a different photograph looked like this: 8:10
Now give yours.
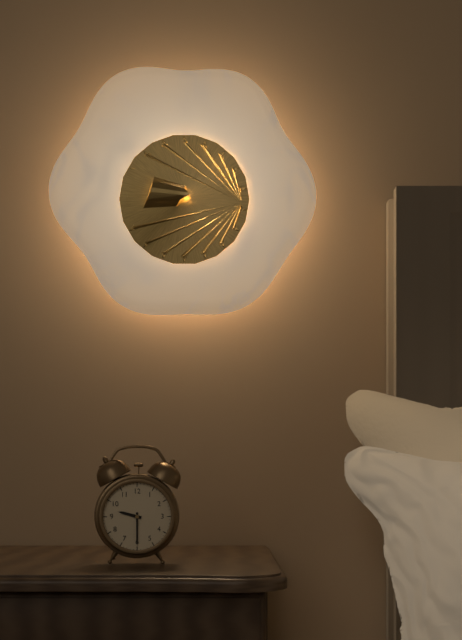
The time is 9:30
